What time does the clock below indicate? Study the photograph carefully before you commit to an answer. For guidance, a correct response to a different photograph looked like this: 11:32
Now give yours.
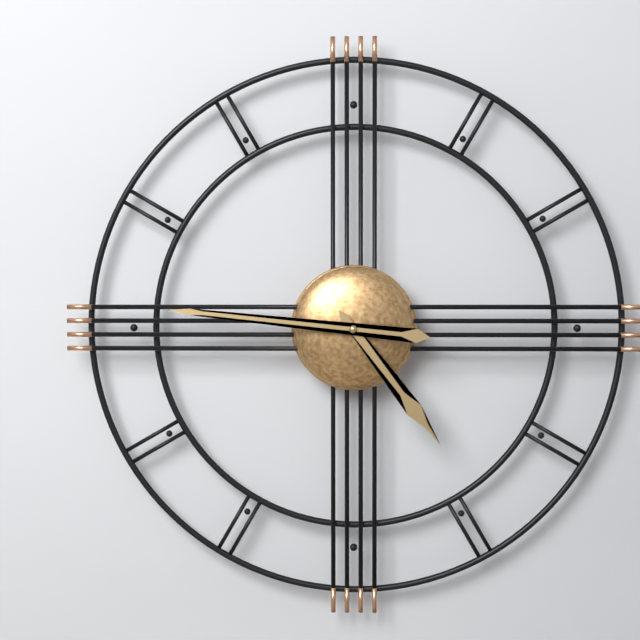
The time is 4:46
